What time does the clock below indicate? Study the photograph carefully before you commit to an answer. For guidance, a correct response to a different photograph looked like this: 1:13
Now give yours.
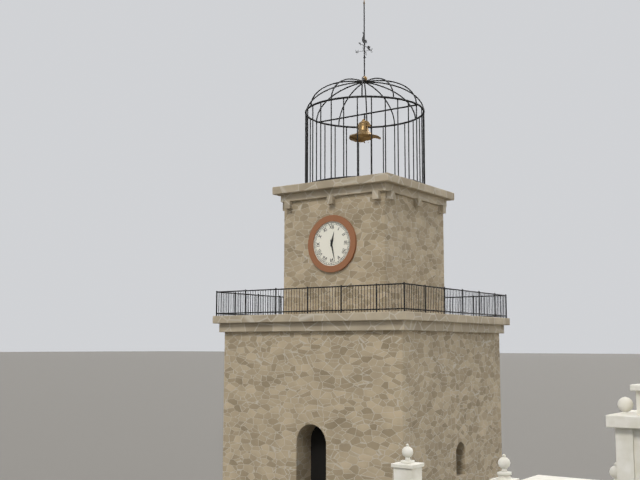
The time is 12:28
